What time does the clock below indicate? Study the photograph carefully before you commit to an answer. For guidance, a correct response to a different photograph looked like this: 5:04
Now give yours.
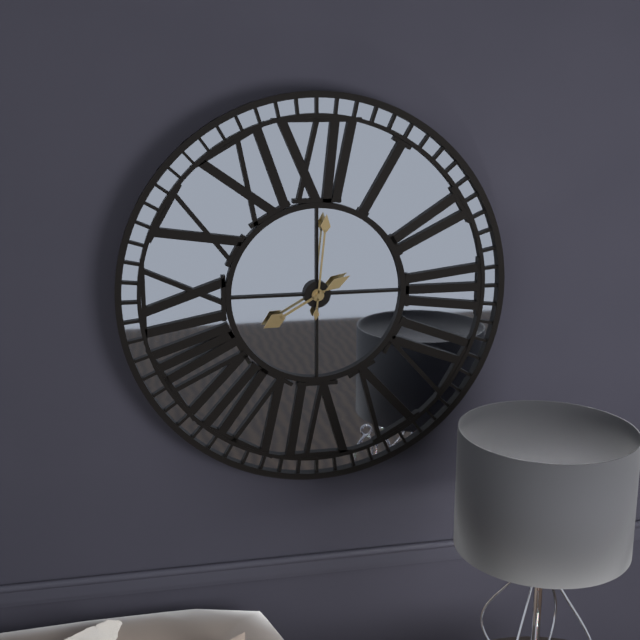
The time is 8:01
